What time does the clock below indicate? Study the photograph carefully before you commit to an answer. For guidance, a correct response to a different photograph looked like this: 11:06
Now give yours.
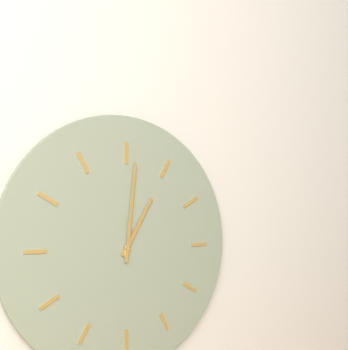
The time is 1:01
